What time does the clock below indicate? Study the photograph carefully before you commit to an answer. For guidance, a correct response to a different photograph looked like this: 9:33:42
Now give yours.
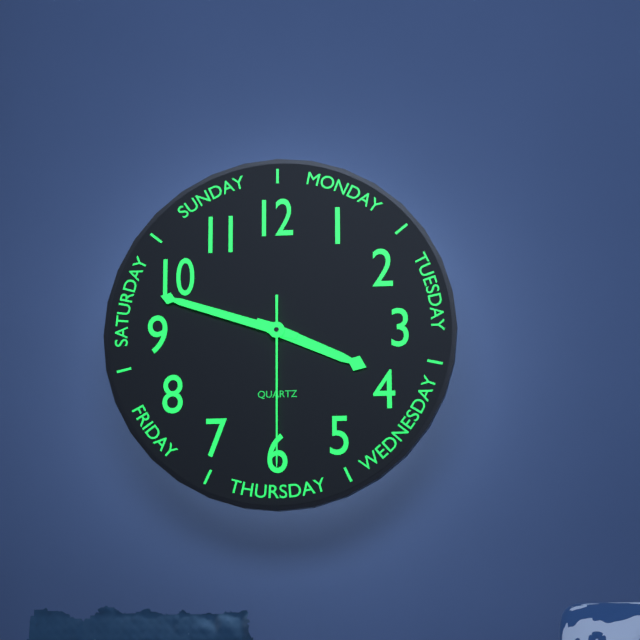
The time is 3:48:30
